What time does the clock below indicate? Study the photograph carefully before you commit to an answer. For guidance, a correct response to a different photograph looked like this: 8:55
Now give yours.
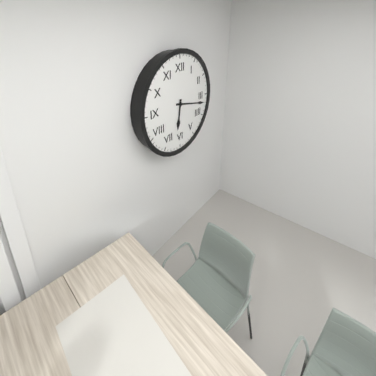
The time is 6:17
